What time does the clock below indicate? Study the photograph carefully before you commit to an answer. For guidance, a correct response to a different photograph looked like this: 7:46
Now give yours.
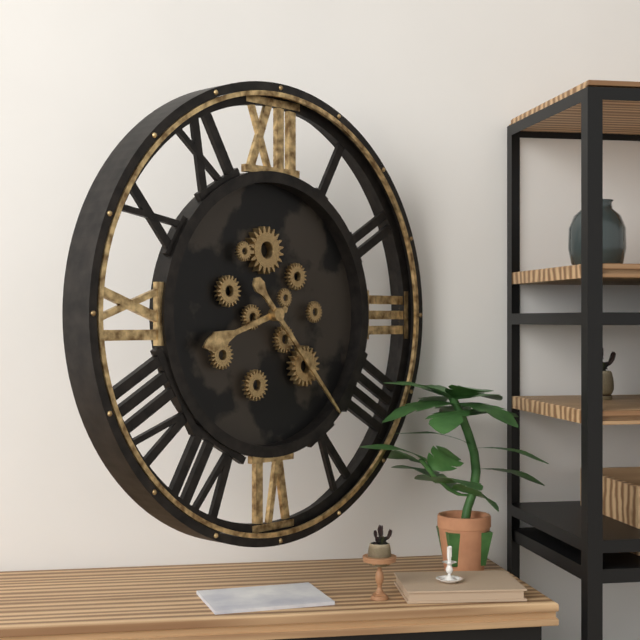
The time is 8:23
